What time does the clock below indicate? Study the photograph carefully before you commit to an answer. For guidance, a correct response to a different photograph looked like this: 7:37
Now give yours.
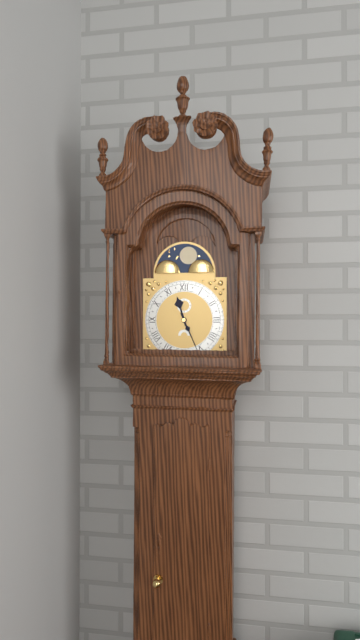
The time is 11:26
